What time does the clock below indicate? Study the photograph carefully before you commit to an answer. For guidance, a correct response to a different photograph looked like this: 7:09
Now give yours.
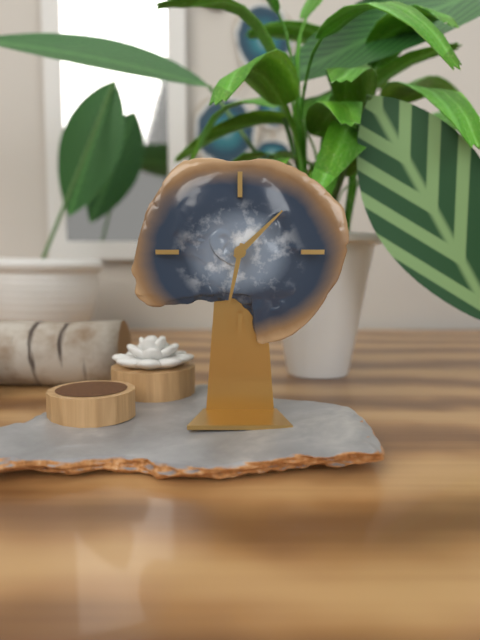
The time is 1:32
